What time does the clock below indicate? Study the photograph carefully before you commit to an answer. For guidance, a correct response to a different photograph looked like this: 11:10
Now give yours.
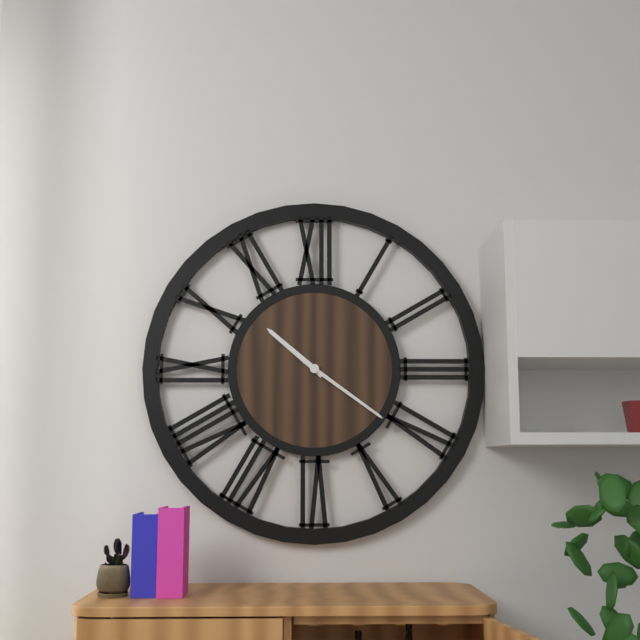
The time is 10:21
